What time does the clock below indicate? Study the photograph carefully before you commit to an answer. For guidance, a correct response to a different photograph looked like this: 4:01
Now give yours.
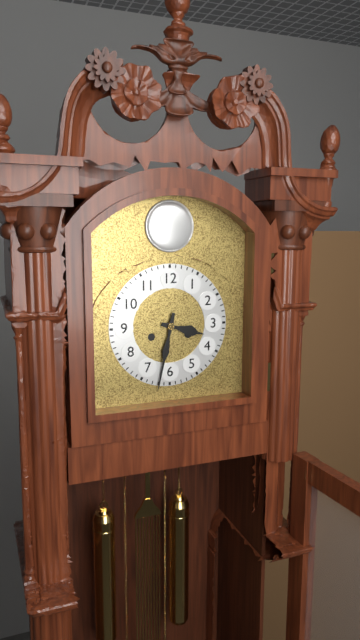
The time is 3:32
